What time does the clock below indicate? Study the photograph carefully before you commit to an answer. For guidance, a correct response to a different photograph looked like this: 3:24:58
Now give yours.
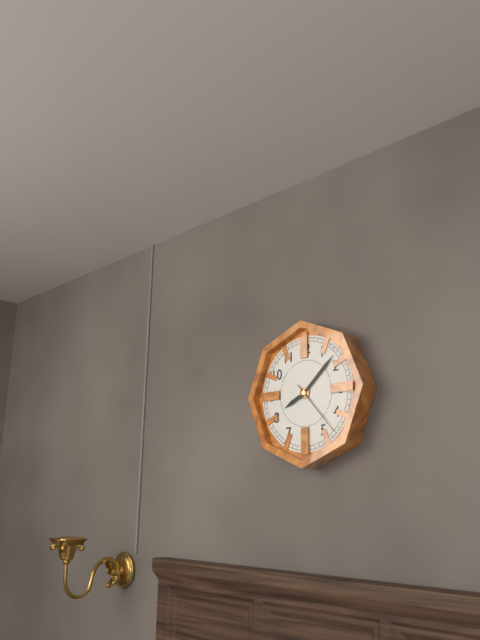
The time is 8:08:23
